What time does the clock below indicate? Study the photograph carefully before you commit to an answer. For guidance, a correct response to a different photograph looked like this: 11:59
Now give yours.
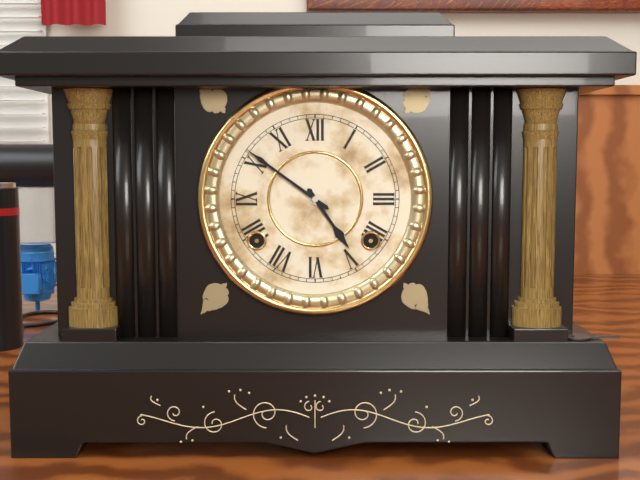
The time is 4:51
